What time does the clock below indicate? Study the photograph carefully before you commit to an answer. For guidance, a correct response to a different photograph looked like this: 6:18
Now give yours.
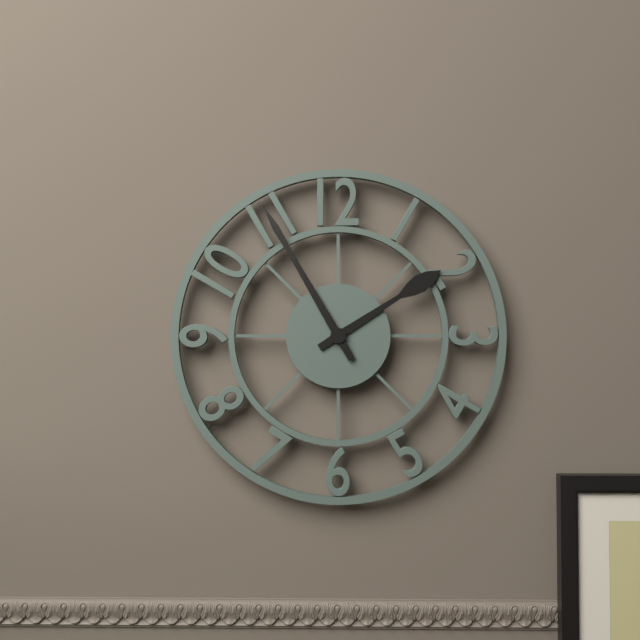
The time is 1:55
